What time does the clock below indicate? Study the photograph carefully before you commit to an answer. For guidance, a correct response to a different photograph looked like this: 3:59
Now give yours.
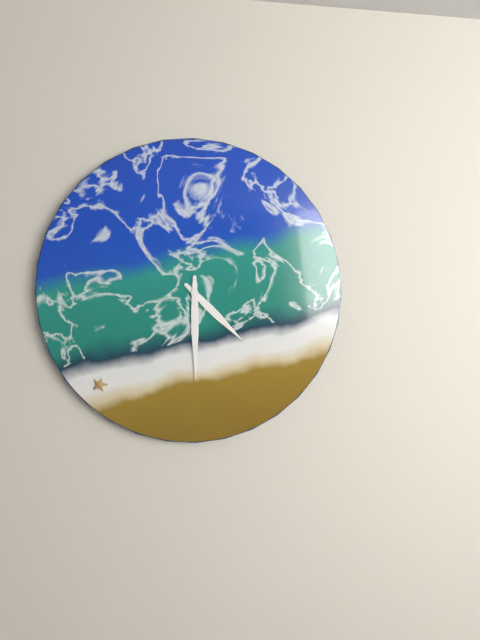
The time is 4:30
